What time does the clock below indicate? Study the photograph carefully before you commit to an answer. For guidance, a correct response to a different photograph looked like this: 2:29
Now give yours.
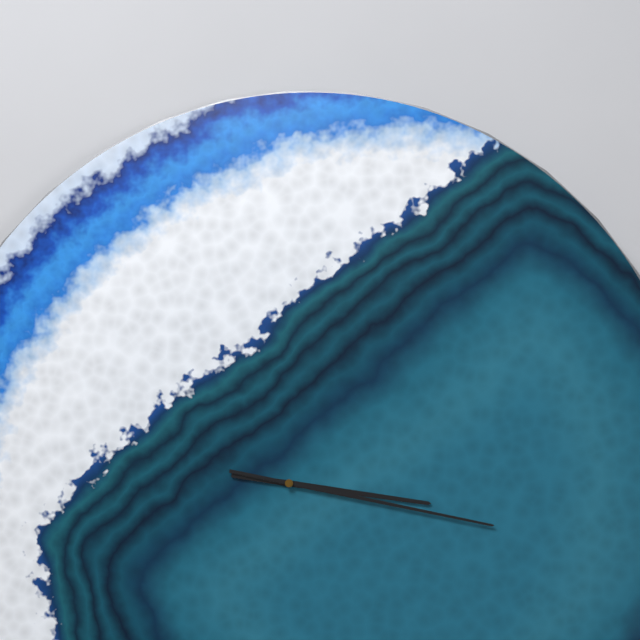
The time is 3:17
